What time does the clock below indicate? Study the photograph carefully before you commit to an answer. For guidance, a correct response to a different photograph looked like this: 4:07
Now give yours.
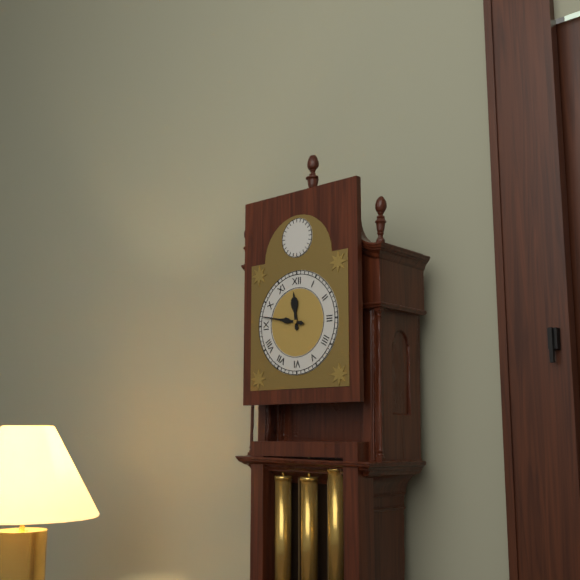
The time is 11:47
